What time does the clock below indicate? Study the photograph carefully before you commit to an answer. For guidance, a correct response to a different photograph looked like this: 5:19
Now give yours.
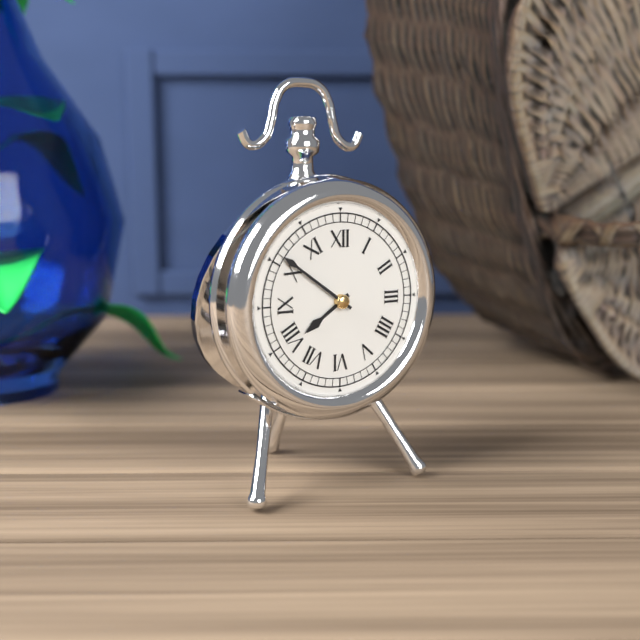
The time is 7:51
